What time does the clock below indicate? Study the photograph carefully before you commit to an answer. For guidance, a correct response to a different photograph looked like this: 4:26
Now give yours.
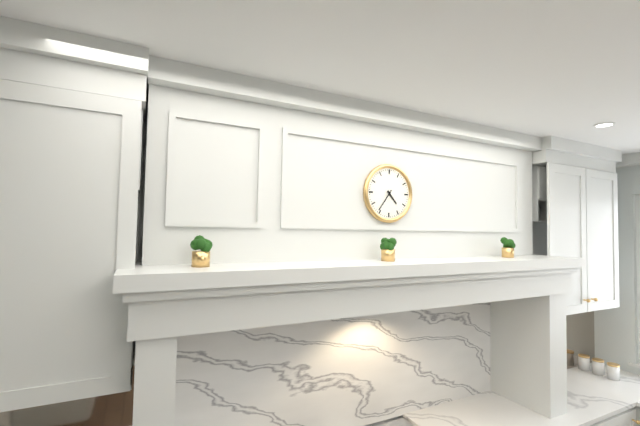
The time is 4:36
